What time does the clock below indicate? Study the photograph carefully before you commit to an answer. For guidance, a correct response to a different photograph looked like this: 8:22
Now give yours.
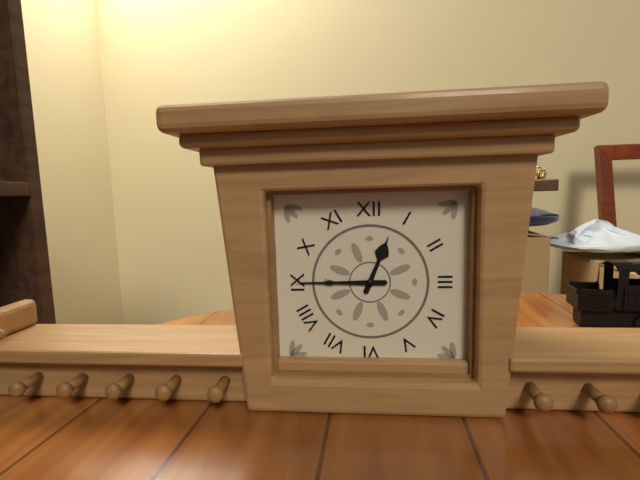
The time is 12:45
